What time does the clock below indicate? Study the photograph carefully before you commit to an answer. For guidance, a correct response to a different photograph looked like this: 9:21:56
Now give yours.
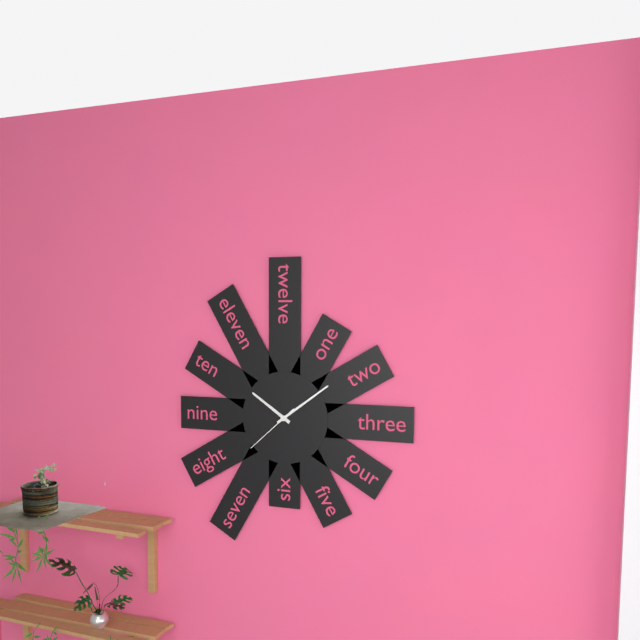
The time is 10:09:38
